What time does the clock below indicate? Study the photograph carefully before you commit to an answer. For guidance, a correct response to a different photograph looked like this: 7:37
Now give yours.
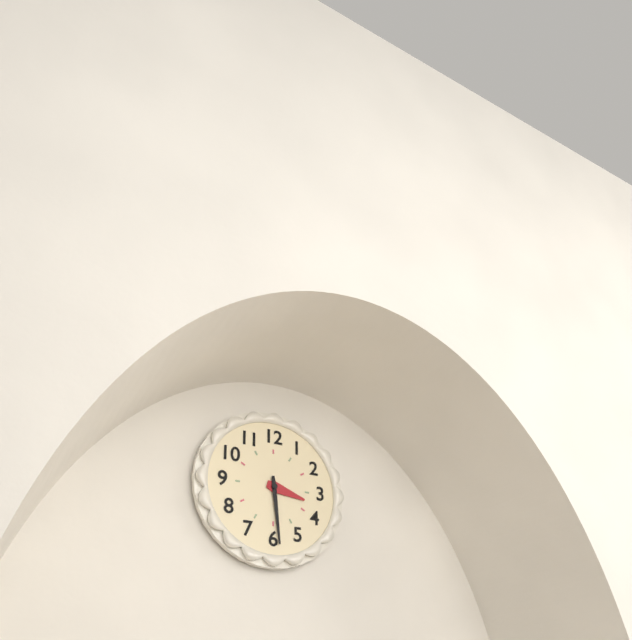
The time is 3:29
